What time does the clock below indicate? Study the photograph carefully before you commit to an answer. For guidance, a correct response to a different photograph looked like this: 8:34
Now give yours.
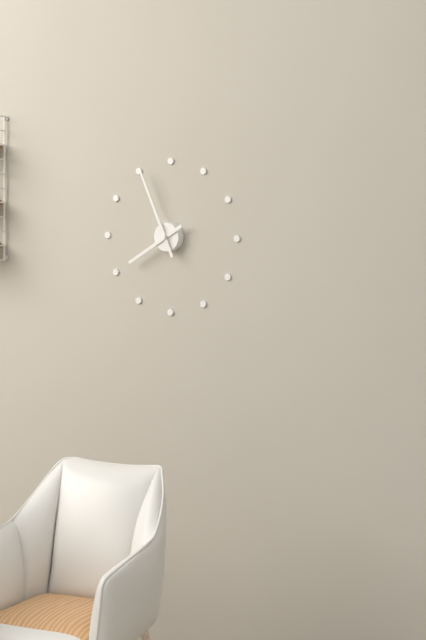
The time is 7:56
